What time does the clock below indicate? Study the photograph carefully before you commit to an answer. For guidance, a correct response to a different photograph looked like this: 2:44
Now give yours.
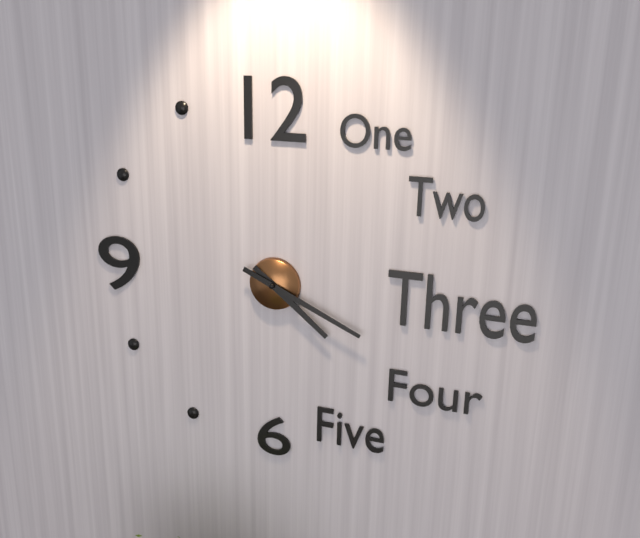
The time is 4:19
